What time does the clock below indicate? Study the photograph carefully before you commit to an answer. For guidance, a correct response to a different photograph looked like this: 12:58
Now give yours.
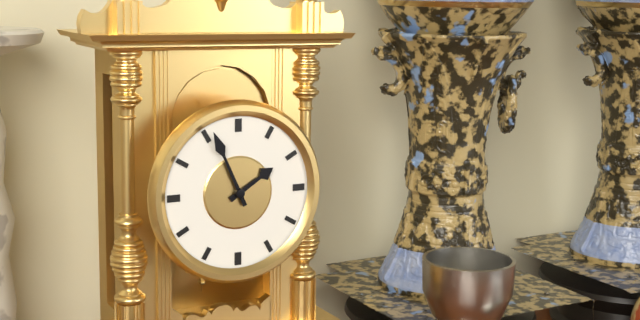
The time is 1:56
